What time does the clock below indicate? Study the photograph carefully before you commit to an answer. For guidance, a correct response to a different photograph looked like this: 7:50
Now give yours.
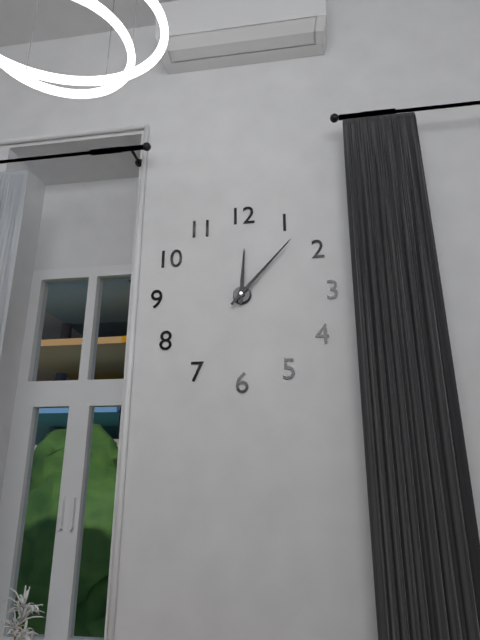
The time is 12:07
